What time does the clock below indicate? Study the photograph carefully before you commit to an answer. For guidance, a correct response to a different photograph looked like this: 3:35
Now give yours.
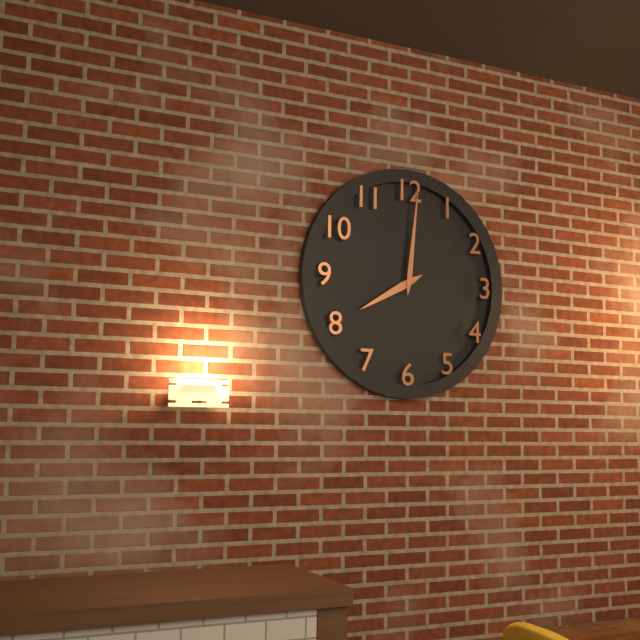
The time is 8:01
